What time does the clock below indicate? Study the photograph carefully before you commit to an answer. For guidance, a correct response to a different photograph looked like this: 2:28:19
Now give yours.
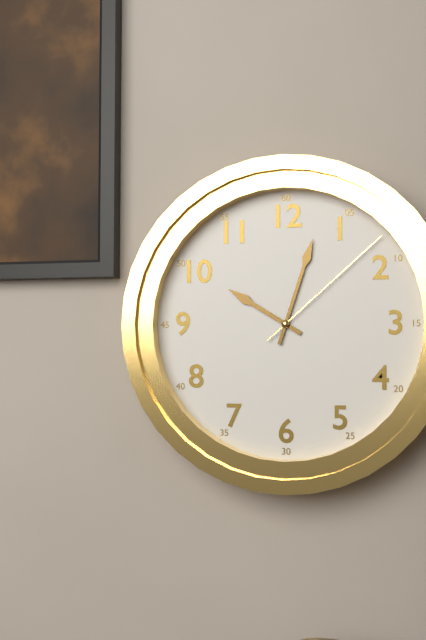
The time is 10:03:08
